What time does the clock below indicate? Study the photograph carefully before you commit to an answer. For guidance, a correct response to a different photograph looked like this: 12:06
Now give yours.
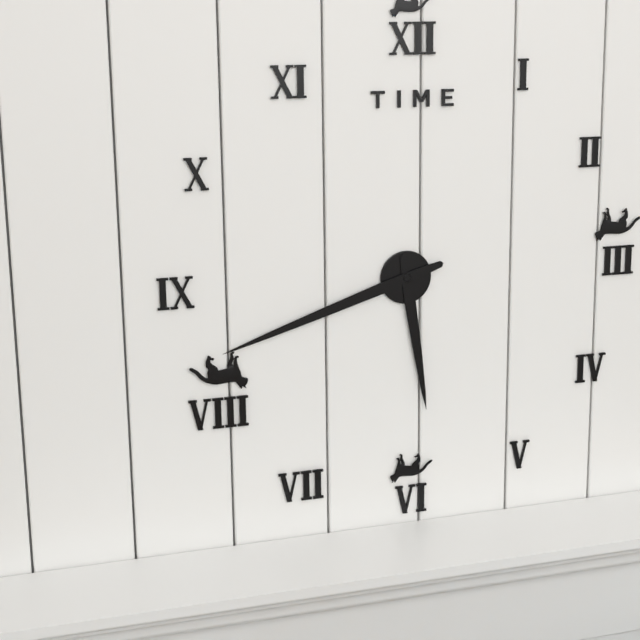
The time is 5:42
